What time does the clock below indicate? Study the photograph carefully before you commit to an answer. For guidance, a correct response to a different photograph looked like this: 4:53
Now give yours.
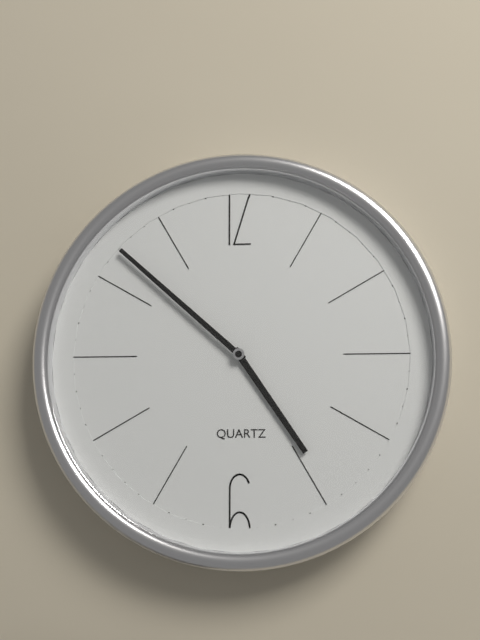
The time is 4:52
